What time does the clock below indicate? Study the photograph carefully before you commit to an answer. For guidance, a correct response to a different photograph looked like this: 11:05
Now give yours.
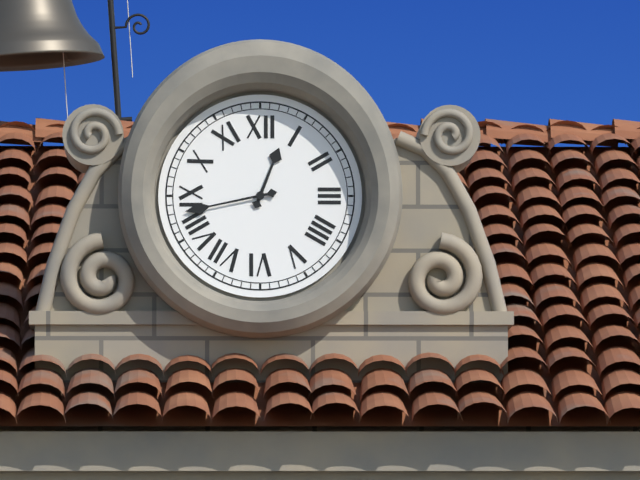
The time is 12:43
